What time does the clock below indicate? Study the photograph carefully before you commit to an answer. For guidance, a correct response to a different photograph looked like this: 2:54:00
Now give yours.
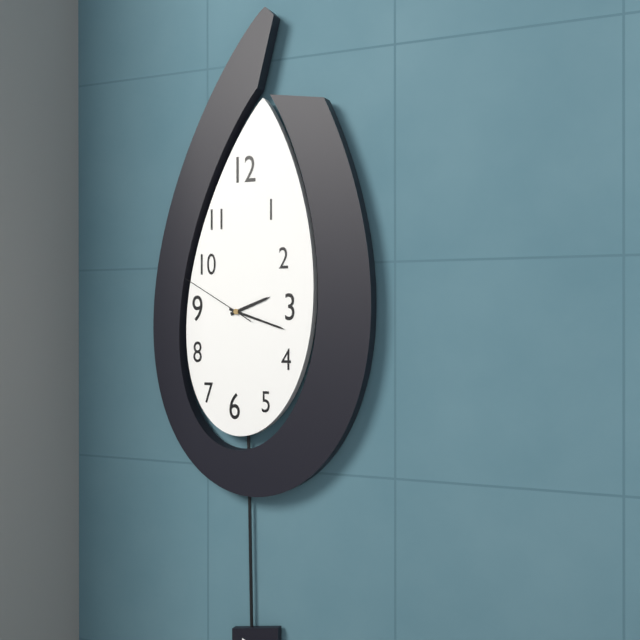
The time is 2:18:50
